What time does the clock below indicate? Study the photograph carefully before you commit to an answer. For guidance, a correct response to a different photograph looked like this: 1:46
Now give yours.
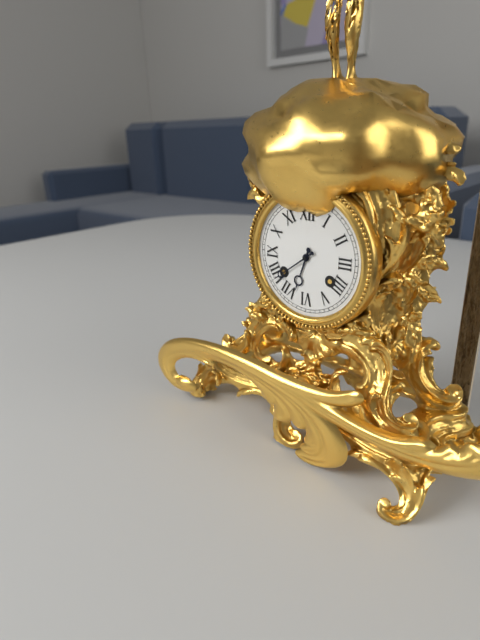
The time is 6:39
